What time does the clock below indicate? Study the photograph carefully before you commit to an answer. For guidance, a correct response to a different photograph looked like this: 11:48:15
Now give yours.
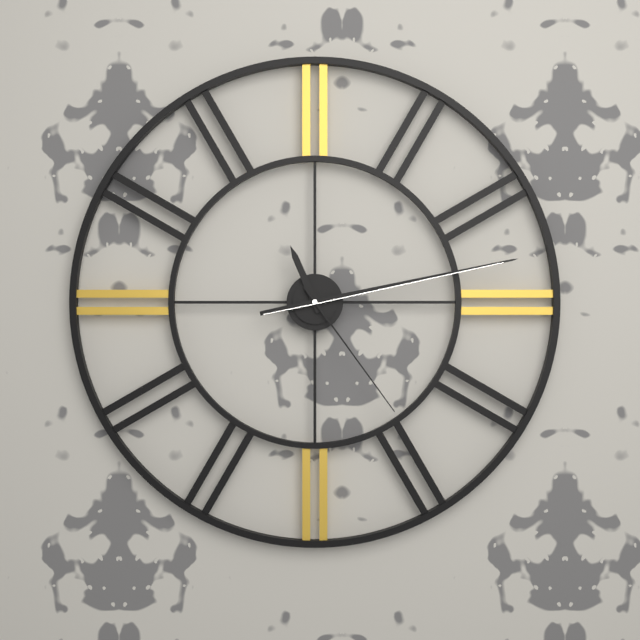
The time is 11:13:24
